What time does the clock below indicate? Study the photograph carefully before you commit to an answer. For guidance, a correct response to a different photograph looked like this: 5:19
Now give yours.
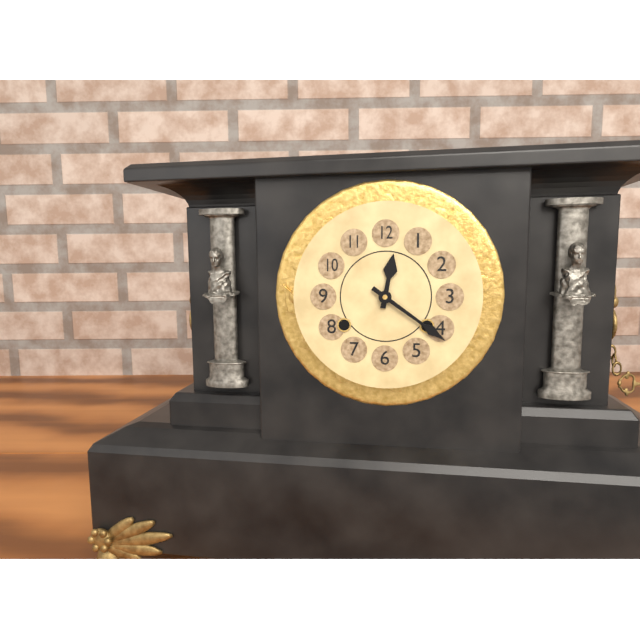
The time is 12:21
